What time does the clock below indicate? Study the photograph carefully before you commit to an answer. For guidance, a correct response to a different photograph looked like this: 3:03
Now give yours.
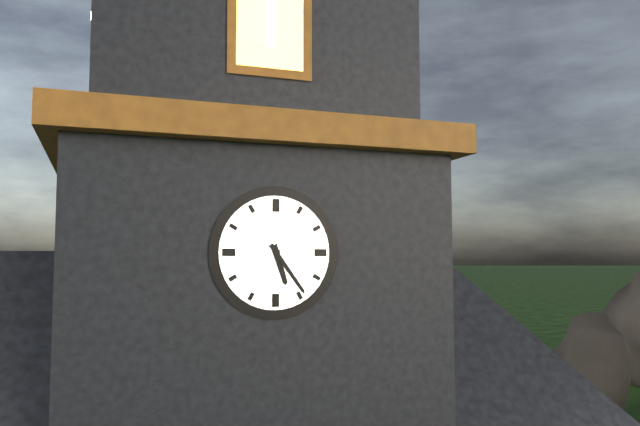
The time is 5:24
